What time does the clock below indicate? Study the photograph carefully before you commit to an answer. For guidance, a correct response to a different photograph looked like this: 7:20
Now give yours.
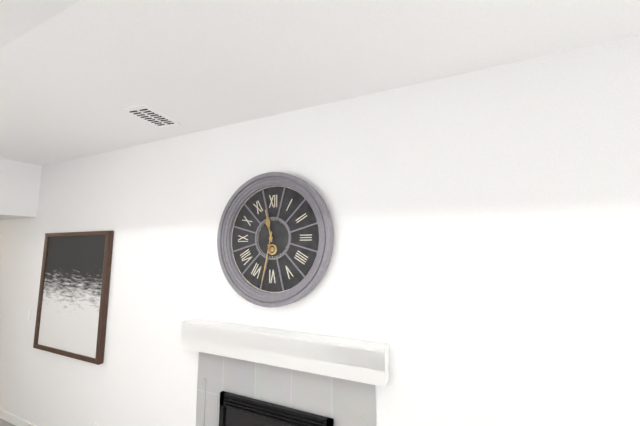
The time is 11:32
